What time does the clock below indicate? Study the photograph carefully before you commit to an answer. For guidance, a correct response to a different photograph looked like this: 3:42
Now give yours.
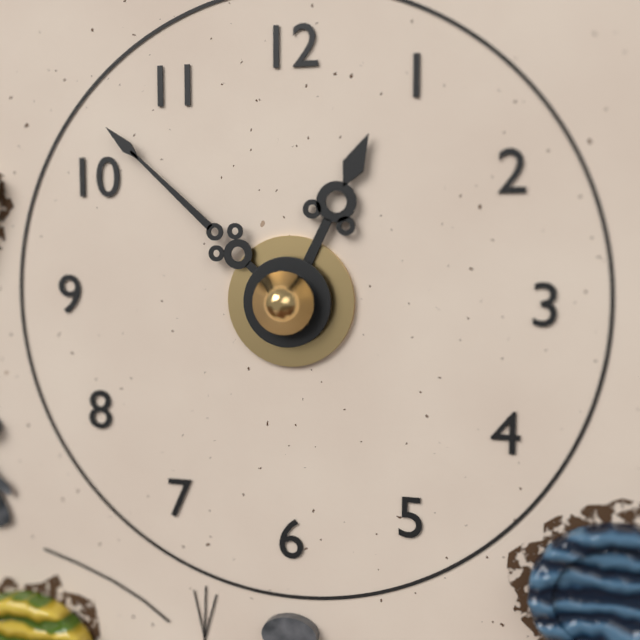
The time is 12:52
